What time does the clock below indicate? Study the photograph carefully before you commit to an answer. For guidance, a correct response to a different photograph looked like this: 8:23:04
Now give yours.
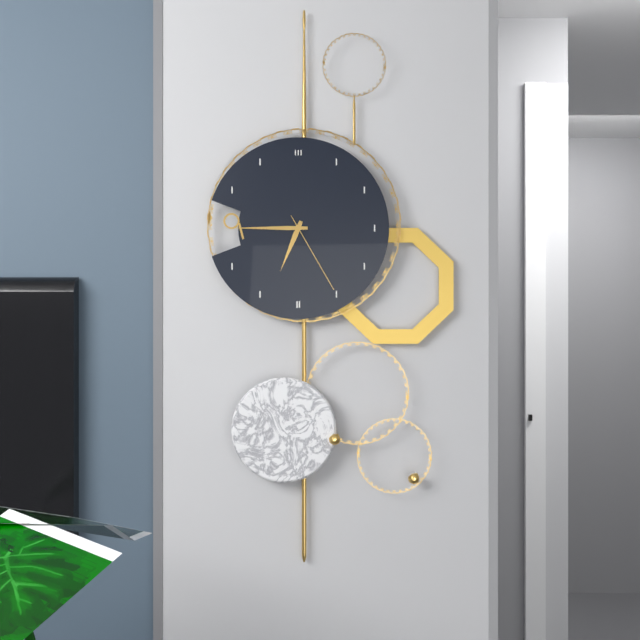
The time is 6:45:25
